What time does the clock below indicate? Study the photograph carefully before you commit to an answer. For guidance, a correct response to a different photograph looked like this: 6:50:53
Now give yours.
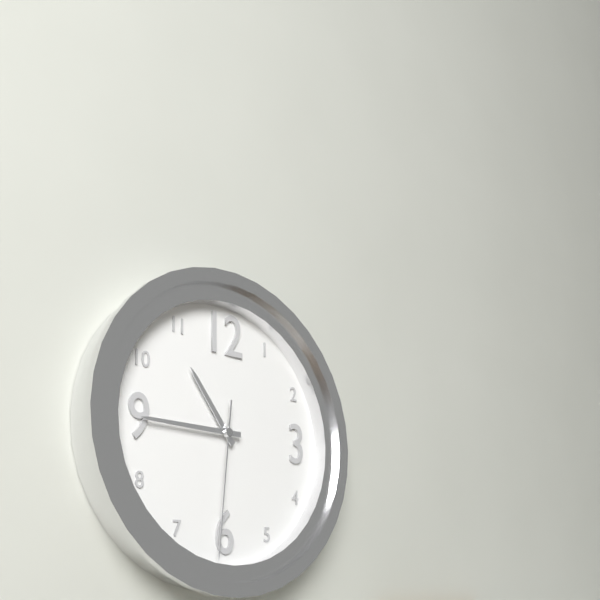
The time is 10:45:31
